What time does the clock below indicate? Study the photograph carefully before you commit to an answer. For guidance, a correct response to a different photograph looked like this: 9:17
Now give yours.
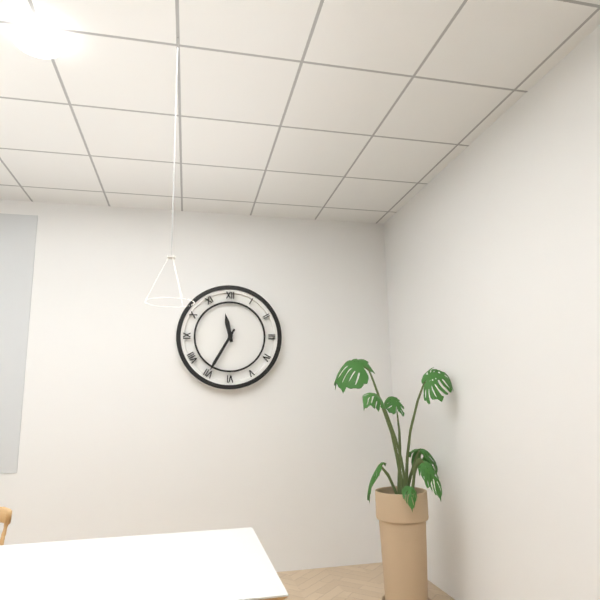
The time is 11:35
